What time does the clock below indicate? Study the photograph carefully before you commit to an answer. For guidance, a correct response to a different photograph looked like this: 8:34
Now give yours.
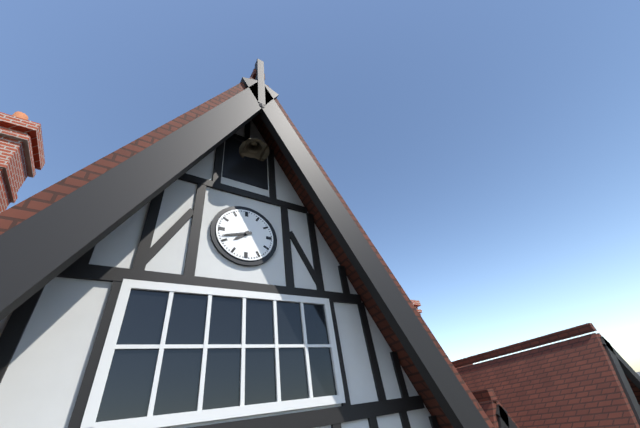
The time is 7:42
